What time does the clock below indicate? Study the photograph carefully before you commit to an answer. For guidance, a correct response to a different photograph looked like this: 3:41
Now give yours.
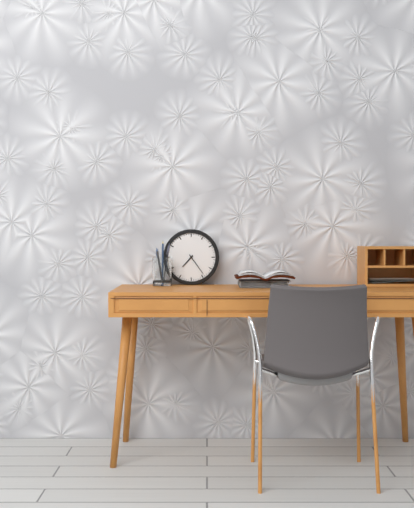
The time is 7:24
